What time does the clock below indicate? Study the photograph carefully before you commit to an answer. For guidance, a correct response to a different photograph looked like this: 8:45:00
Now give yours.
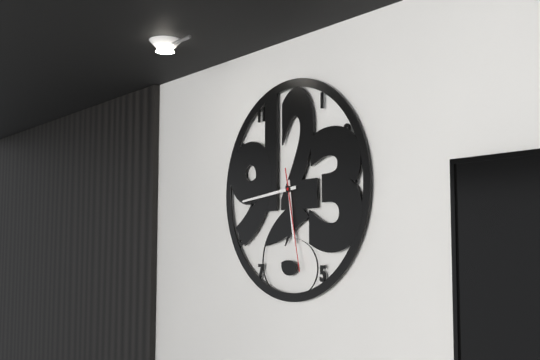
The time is 5:44:28
